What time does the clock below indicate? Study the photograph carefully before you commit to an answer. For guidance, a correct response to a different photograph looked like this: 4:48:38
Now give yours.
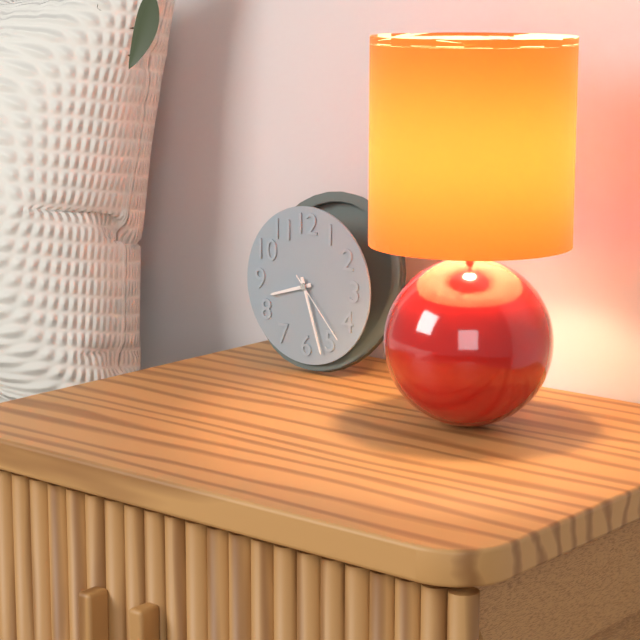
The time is 8:27:23
